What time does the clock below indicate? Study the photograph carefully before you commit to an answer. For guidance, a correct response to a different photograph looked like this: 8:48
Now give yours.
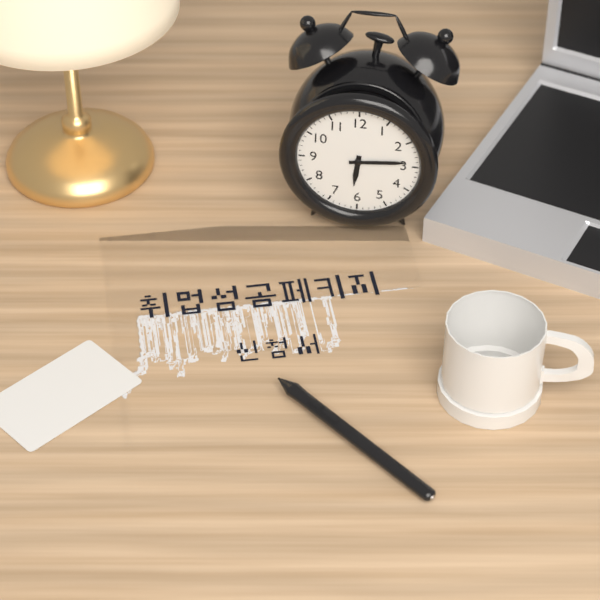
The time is 6:14
